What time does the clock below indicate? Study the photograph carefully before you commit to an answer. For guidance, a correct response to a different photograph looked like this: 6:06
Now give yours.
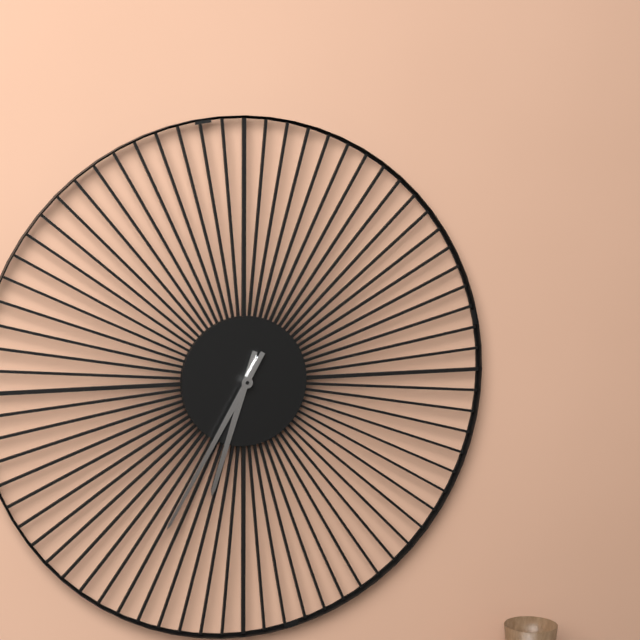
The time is 6:35
